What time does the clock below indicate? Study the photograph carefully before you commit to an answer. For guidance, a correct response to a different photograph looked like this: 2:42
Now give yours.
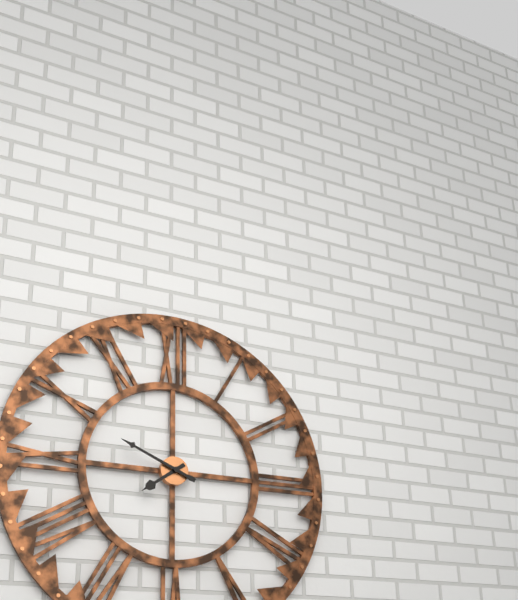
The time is 7:49
